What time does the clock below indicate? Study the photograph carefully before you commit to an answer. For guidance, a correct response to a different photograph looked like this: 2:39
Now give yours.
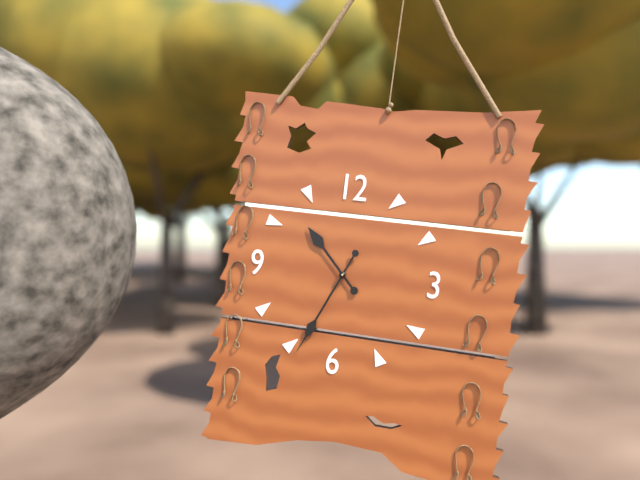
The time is 10:34
